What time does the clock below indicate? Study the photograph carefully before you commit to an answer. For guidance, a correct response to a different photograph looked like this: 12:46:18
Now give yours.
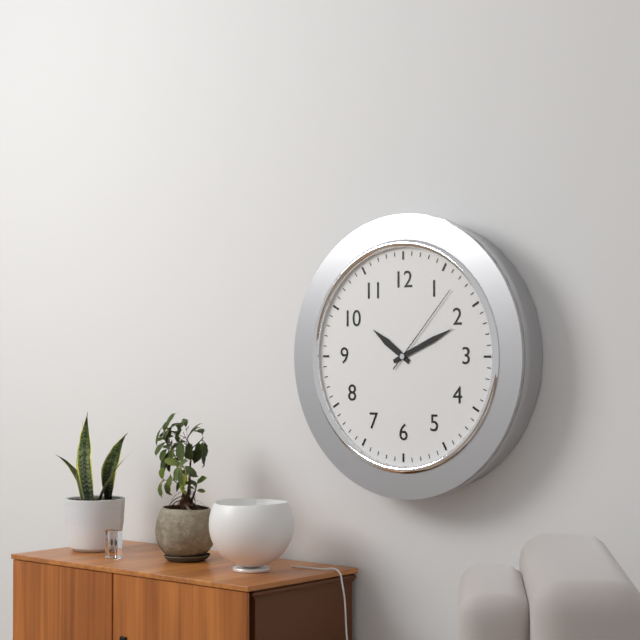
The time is 10:11:07
